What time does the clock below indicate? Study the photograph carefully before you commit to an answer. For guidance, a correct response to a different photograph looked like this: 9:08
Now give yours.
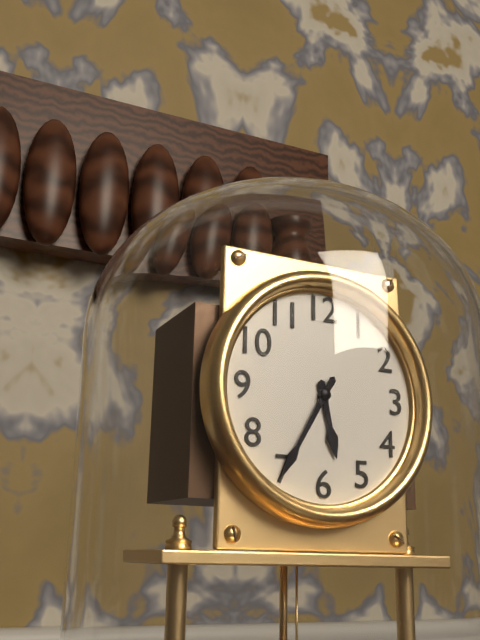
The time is 5:35
